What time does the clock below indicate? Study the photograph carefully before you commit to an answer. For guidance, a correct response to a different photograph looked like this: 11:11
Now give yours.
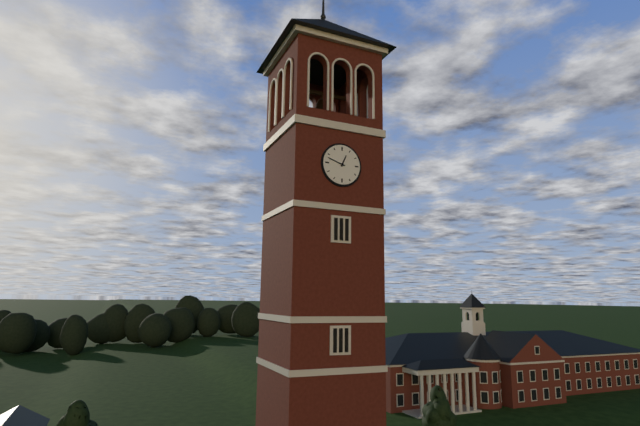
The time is 12:48
